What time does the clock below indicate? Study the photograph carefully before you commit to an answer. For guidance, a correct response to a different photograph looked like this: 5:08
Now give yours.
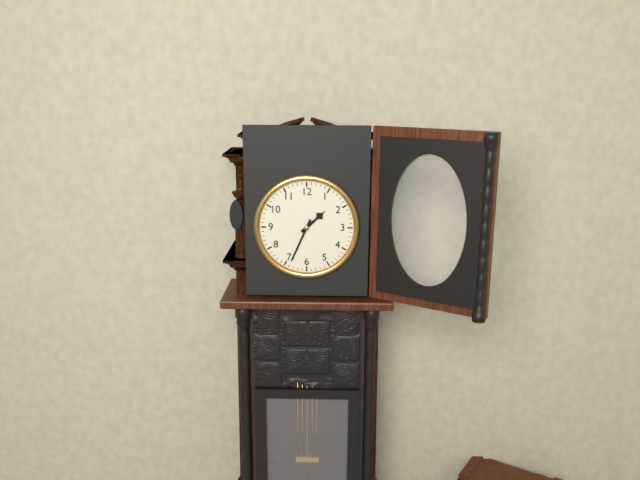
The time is 1:34
